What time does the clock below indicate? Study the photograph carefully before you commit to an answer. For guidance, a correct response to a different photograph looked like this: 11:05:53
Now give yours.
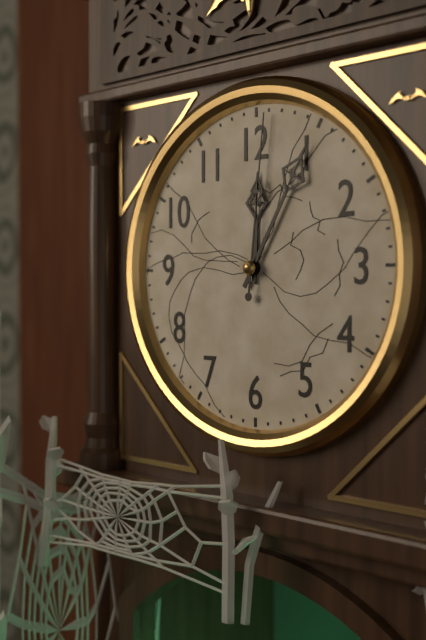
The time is 12:05:01
